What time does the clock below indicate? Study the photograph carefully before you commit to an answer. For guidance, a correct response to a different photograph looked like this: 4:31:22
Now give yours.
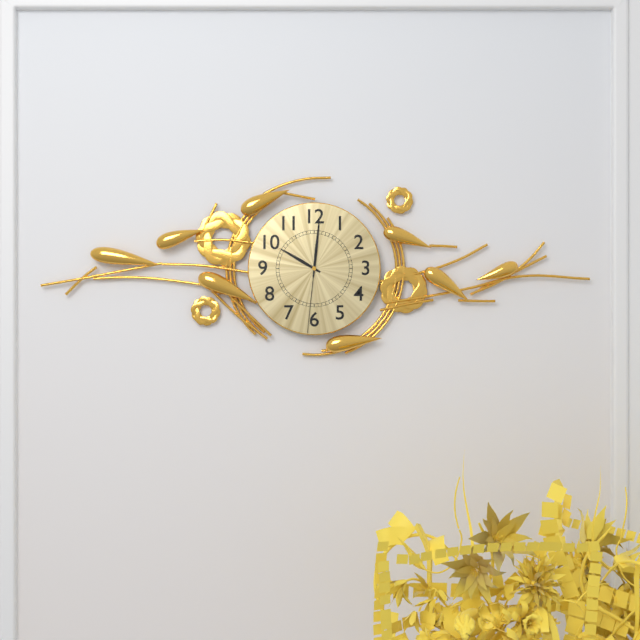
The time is 10:01:31
